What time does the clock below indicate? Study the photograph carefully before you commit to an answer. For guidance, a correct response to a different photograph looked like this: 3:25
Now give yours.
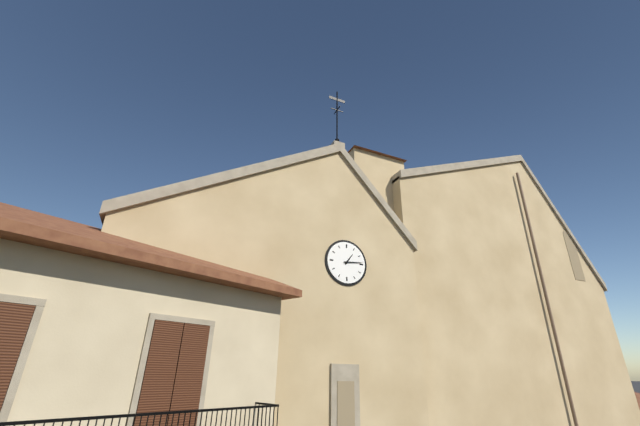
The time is 1:14
